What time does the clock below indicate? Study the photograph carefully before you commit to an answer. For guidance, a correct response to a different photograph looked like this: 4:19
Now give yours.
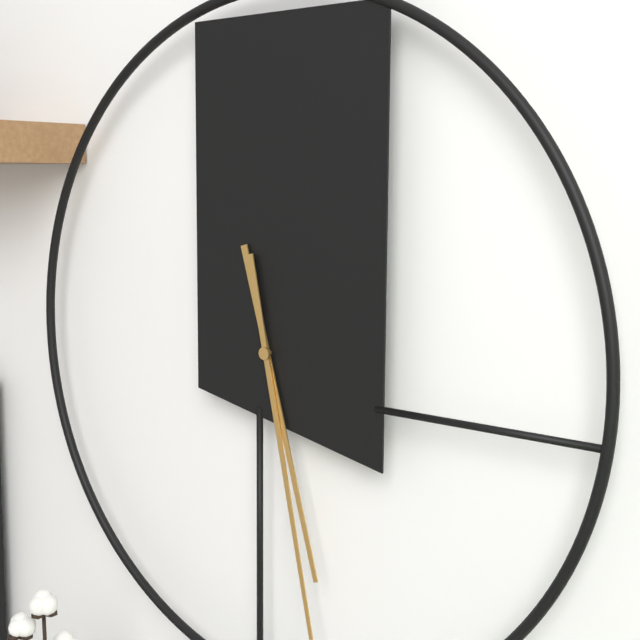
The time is 5:28
